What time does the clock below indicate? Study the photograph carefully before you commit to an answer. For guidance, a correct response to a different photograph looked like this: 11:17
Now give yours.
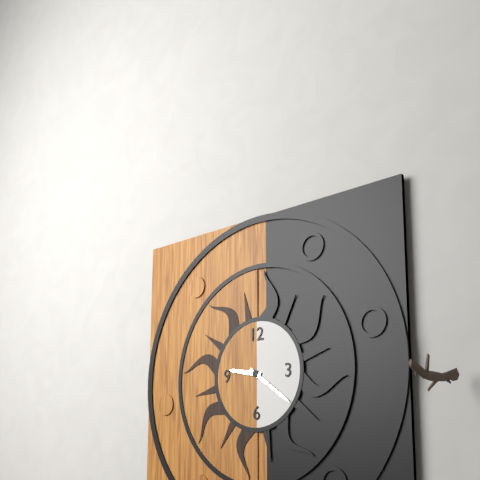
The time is 9:21
